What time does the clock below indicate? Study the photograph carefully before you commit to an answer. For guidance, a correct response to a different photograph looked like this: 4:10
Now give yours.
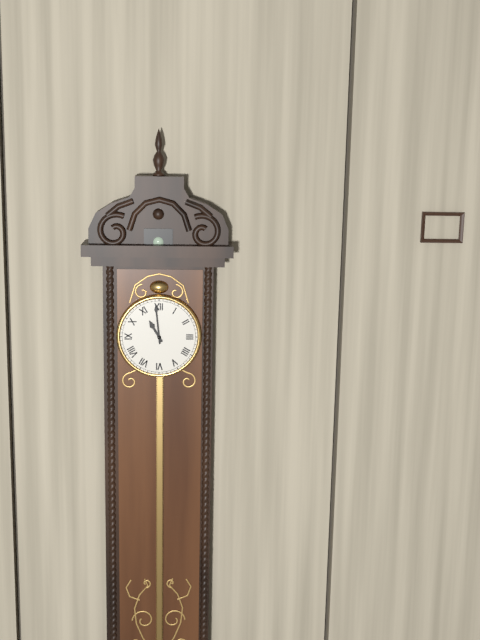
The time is 10:59
